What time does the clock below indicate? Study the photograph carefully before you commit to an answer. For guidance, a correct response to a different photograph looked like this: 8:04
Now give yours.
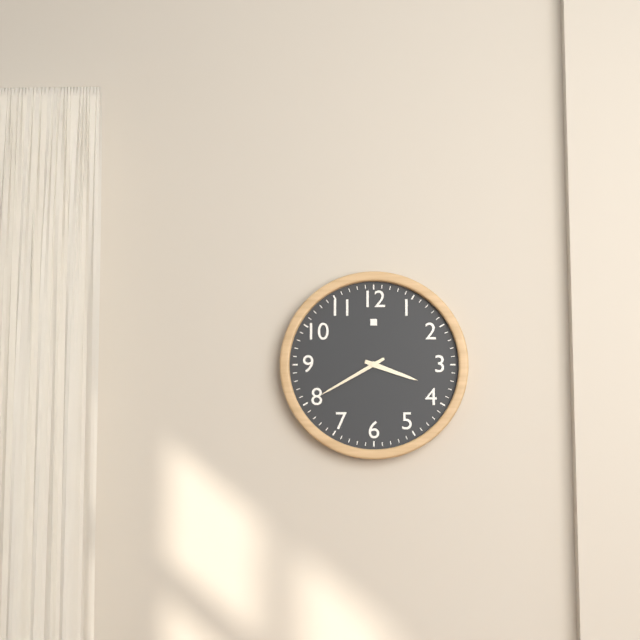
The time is 3:40
